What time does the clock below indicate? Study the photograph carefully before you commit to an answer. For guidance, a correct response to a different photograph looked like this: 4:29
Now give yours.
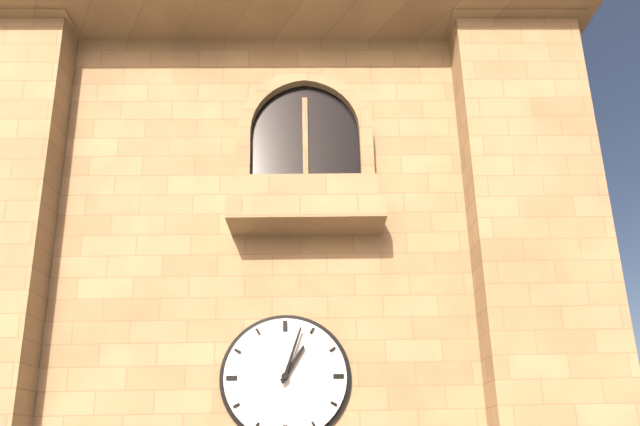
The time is 1:03
